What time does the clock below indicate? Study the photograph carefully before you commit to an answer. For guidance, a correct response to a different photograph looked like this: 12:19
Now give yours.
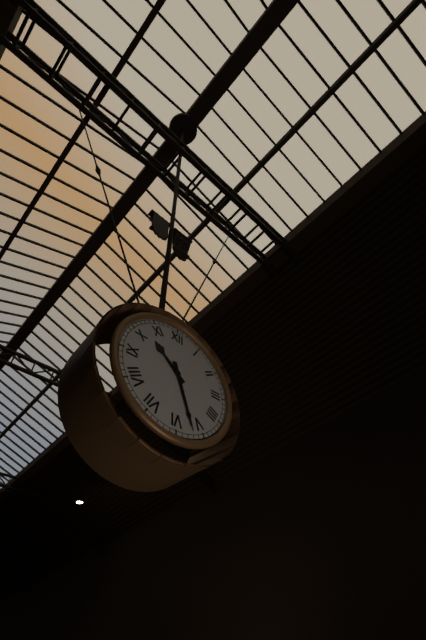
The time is 10:27
